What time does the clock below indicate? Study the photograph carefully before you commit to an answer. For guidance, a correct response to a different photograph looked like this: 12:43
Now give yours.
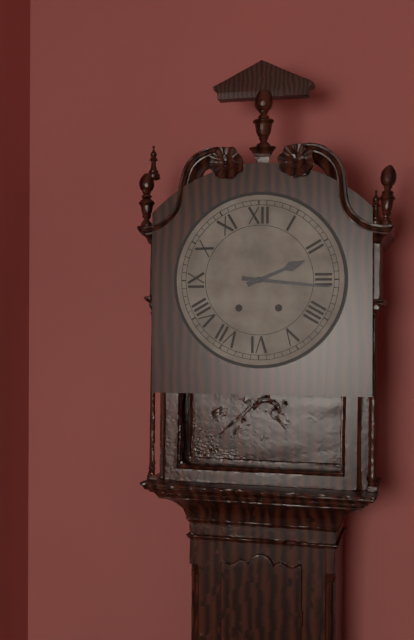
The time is 2:16
